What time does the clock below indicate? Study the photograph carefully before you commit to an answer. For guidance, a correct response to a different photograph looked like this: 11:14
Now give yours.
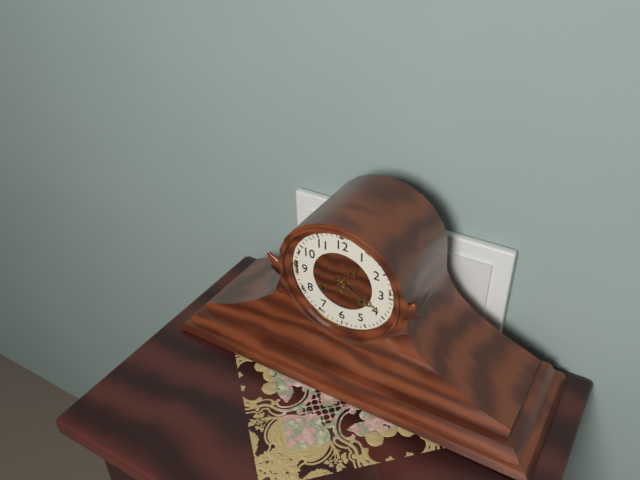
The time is 1:19
